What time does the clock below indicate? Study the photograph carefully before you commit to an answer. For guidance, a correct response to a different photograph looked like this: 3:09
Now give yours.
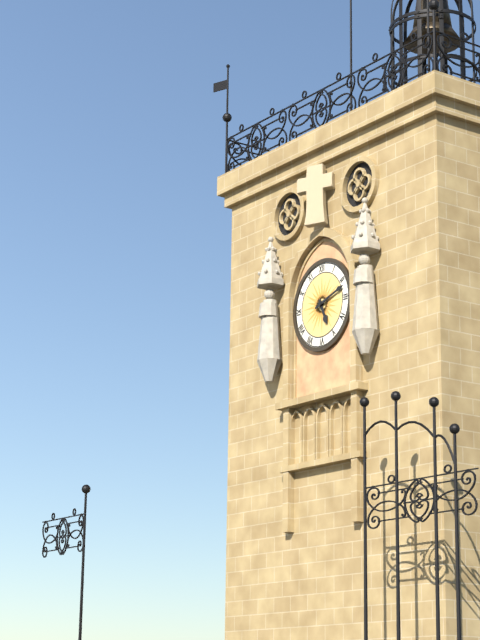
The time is 5:12
